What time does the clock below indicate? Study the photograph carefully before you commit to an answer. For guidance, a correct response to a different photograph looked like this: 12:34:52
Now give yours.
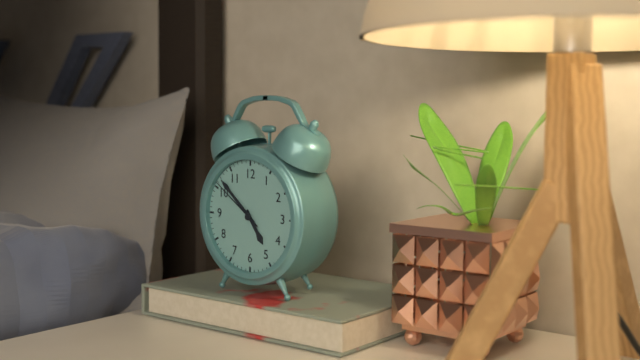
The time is 4:52:51
